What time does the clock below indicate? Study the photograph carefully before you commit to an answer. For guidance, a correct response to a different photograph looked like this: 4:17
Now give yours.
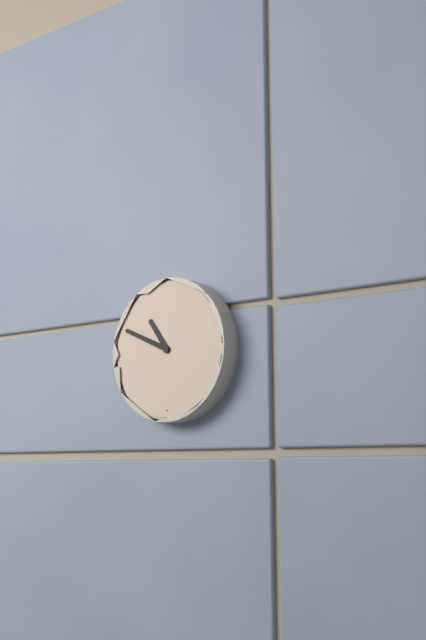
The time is 10:49
